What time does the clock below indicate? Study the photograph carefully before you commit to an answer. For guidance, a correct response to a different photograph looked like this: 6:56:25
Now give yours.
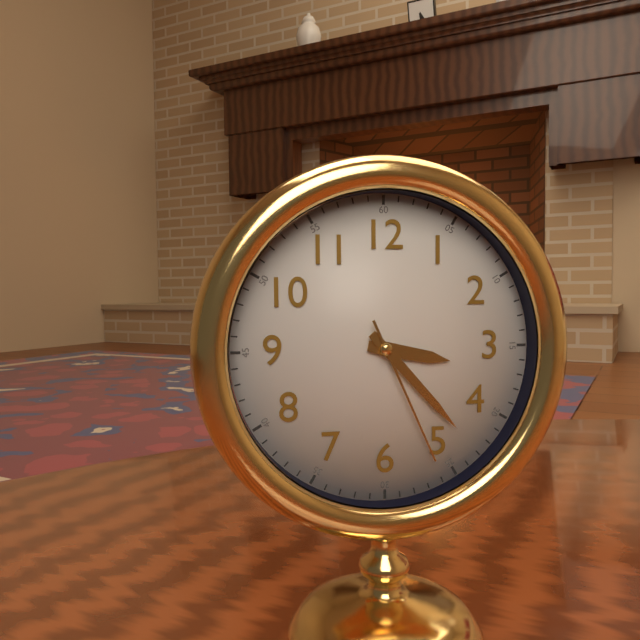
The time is 3:23:26
